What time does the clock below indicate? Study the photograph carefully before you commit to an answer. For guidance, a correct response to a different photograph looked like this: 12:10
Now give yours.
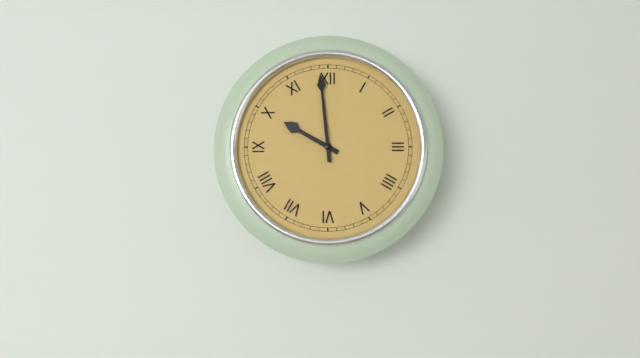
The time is 9:59
